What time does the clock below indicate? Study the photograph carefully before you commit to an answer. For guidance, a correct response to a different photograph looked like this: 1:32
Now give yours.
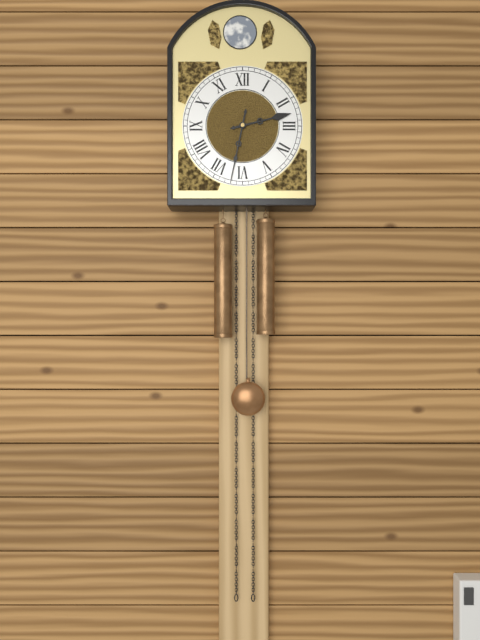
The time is 2:32
